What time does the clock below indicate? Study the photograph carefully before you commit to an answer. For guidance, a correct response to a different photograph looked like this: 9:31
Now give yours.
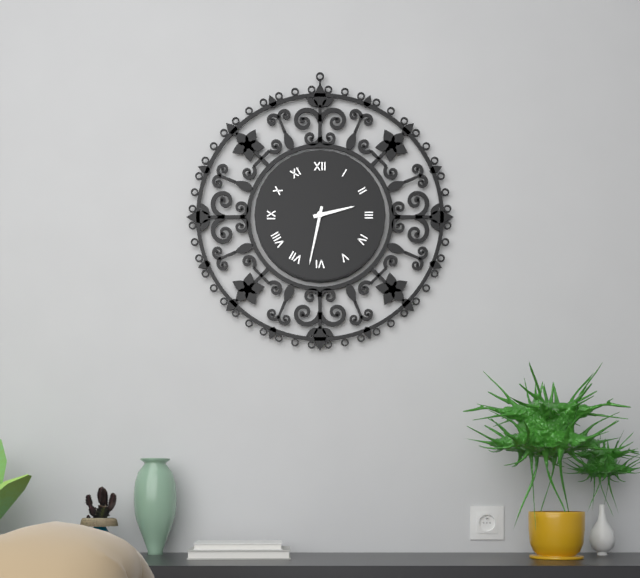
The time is 2:32
